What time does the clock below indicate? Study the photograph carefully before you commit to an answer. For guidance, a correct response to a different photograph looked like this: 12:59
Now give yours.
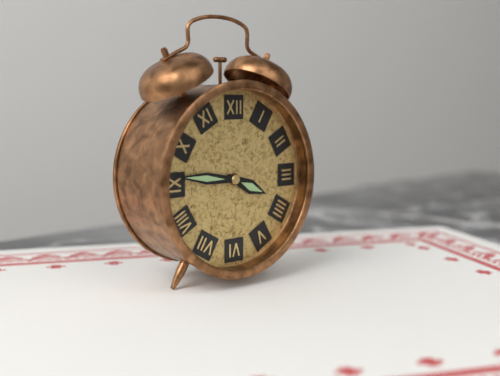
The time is 3:46
